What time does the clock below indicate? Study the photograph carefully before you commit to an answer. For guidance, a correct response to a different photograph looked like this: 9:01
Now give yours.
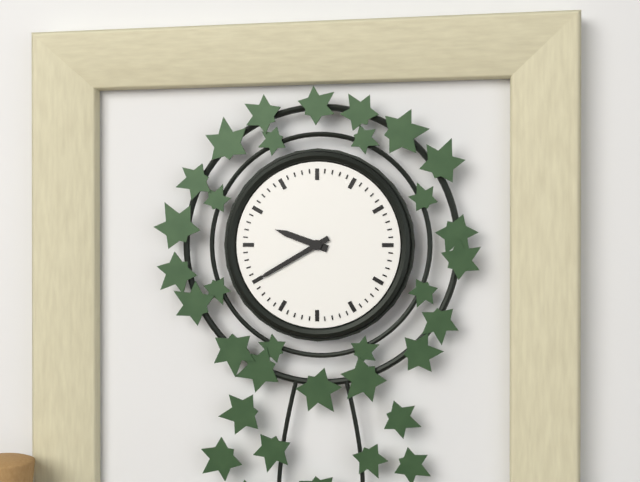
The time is 9:40
